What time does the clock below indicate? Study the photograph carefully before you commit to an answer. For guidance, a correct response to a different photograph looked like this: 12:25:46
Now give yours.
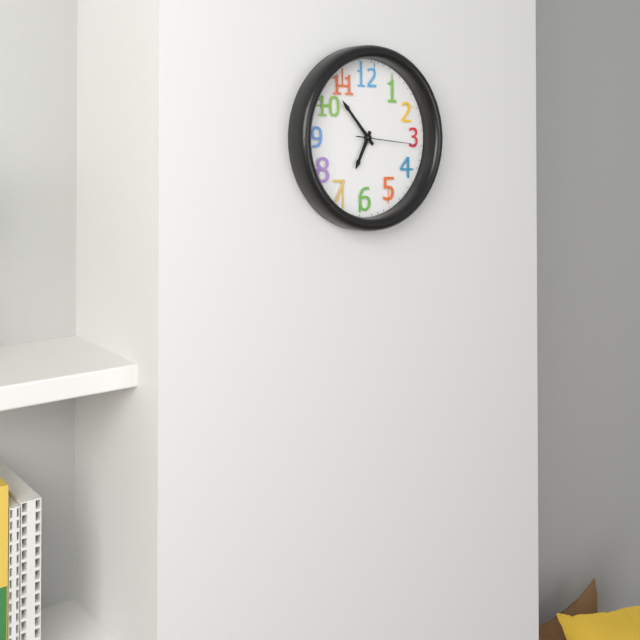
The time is 6:53:16
